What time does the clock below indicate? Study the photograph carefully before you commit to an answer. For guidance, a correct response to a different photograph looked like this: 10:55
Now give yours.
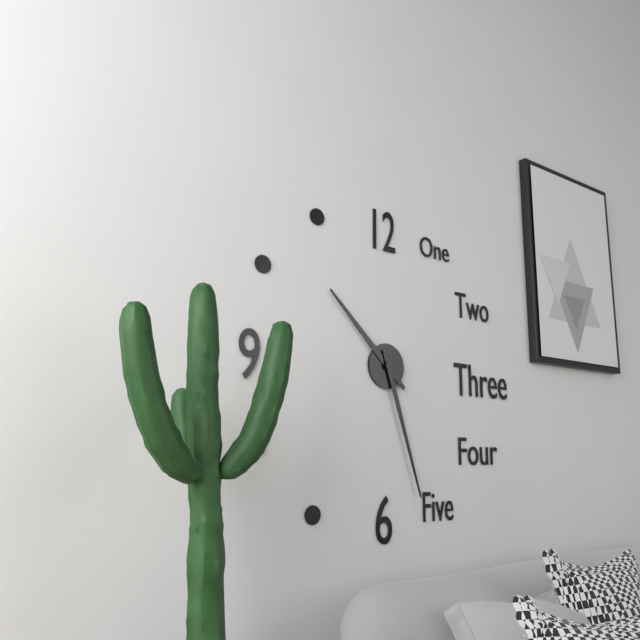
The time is 10:27
